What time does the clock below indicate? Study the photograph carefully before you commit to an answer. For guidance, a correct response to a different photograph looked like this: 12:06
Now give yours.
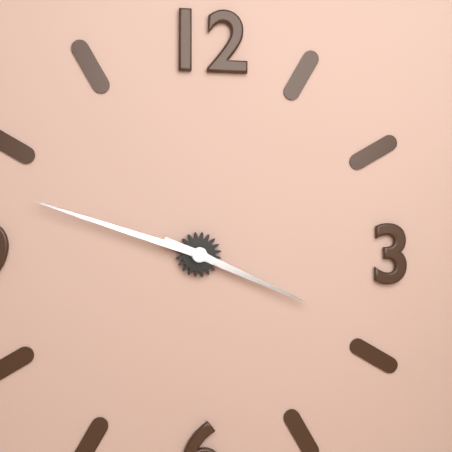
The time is 3:48
